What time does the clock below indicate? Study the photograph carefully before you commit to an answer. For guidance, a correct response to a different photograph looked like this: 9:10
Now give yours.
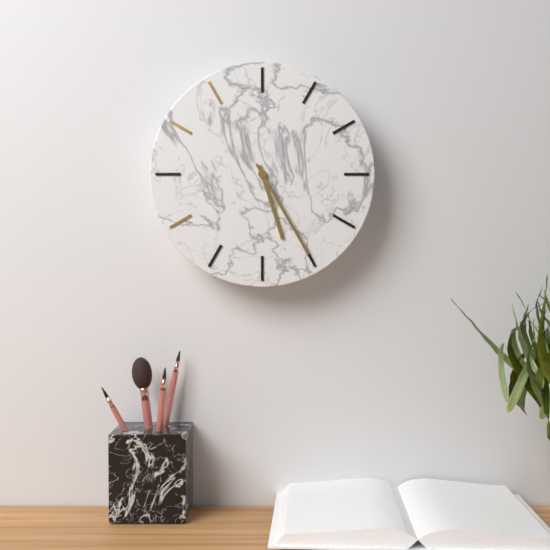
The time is 5:25
